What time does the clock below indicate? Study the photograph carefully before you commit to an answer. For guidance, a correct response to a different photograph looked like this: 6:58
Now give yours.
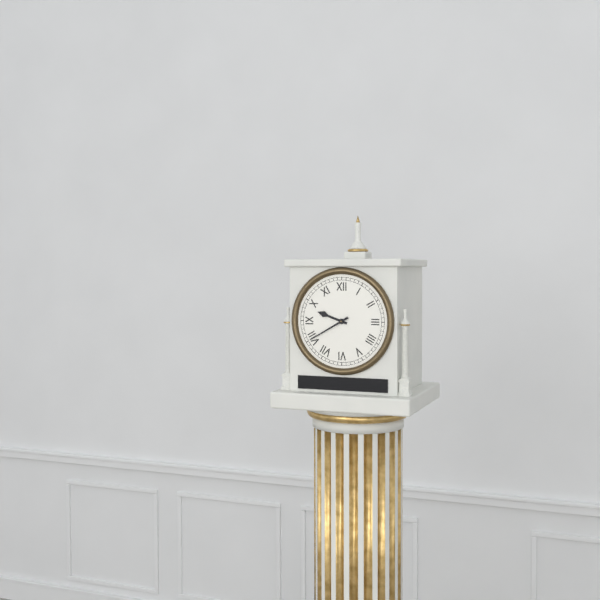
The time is 9:40
